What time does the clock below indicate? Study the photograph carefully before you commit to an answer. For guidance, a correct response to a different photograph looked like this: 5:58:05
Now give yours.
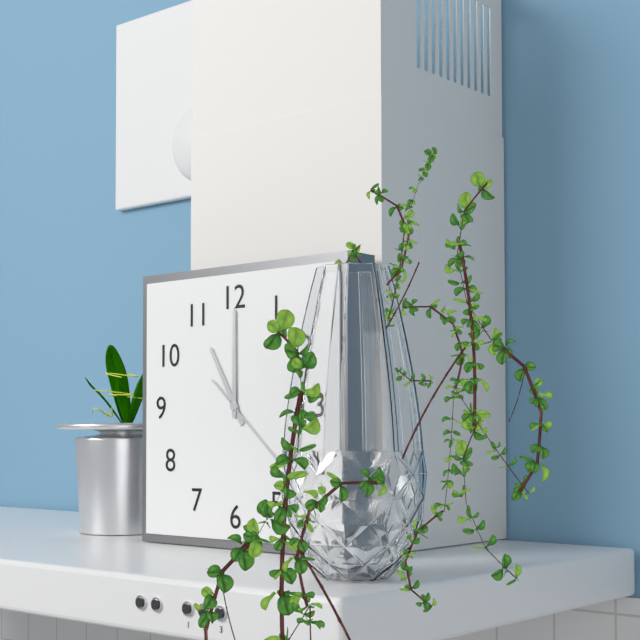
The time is 11:00:22
